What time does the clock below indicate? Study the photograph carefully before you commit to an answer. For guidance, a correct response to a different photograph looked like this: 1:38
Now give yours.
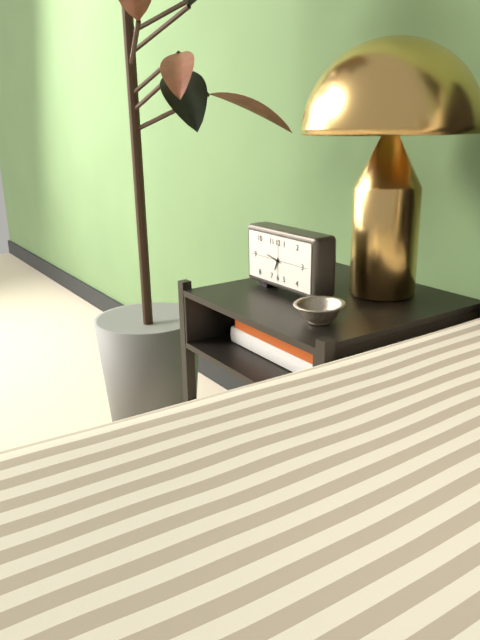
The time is 6:47
